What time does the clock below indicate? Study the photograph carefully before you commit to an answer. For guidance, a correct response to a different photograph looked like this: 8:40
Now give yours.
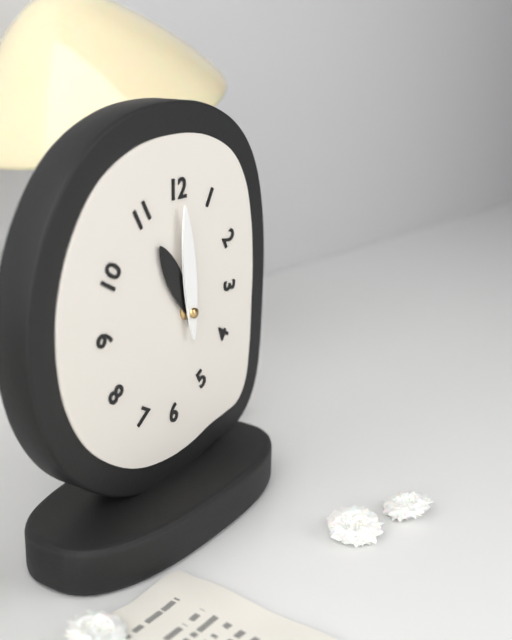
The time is 10:59
